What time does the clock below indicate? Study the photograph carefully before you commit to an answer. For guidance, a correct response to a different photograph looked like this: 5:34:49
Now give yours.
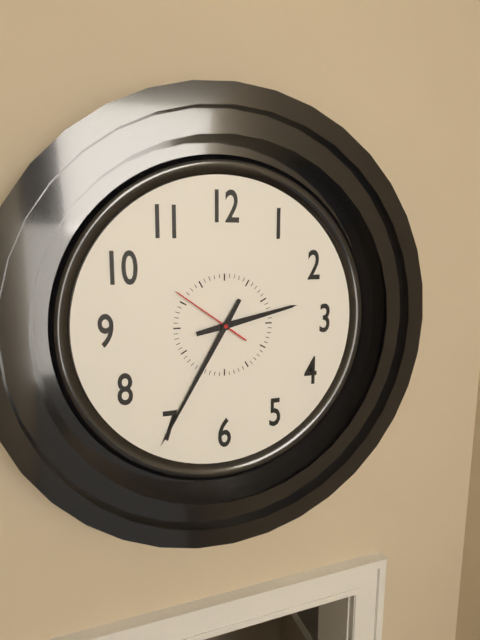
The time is 2:35:51
